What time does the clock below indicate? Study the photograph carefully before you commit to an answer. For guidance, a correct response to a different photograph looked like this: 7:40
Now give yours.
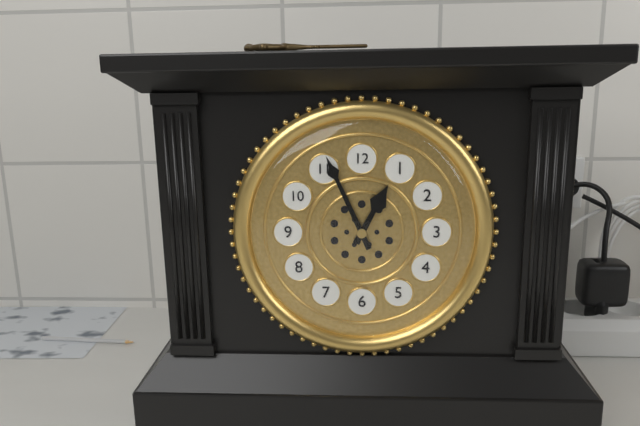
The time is 12:56
